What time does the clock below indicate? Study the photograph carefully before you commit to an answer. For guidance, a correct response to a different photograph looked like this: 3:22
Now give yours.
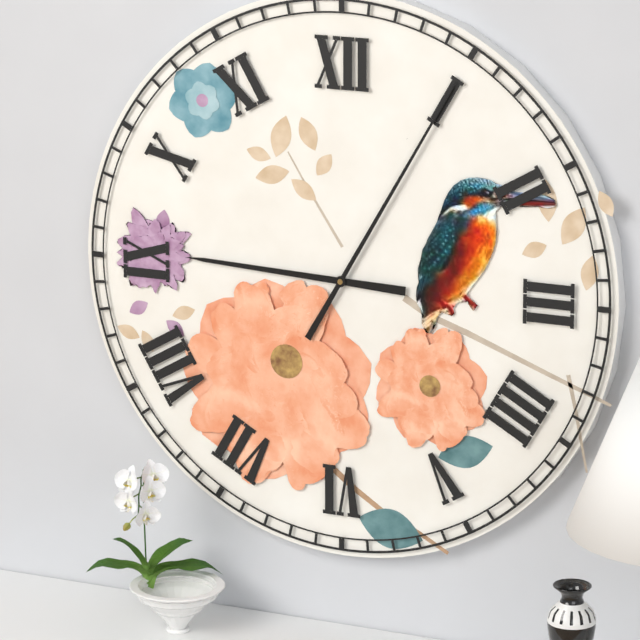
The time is 9:05
